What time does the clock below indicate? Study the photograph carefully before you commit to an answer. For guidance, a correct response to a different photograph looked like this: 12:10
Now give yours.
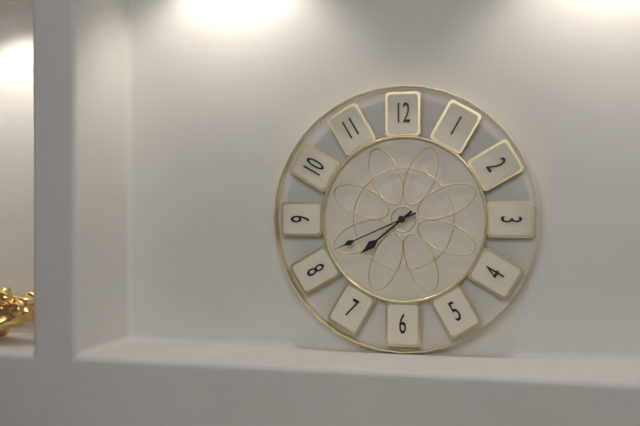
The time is 7:41
